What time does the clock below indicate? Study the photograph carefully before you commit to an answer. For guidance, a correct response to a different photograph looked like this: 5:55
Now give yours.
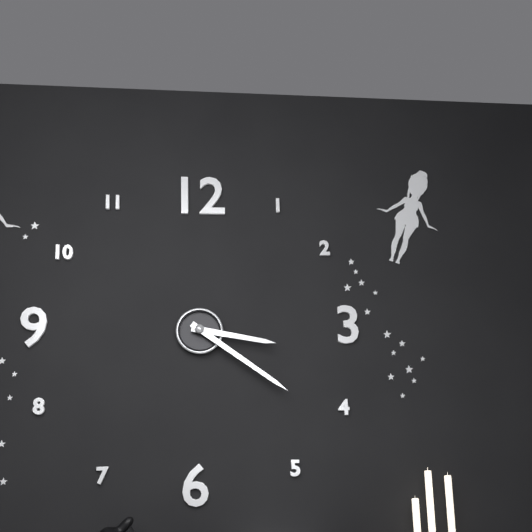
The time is 3:21
